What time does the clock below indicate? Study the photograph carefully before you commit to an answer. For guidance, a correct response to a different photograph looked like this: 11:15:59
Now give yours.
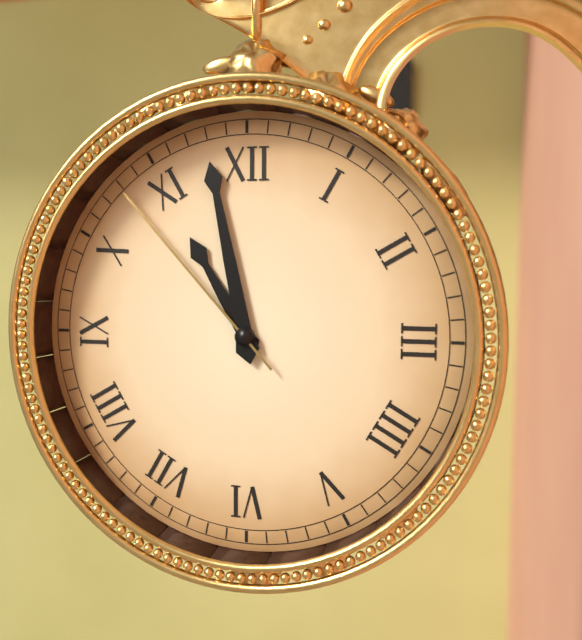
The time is 10:58:53
